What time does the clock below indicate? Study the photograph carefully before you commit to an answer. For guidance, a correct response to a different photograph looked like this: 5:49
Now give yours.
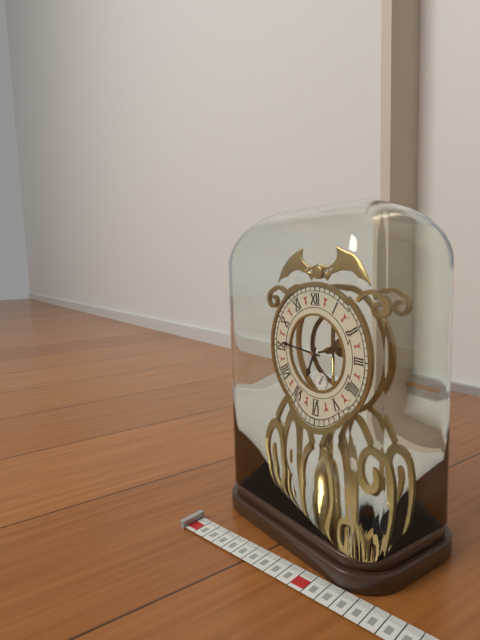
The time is 6:46
